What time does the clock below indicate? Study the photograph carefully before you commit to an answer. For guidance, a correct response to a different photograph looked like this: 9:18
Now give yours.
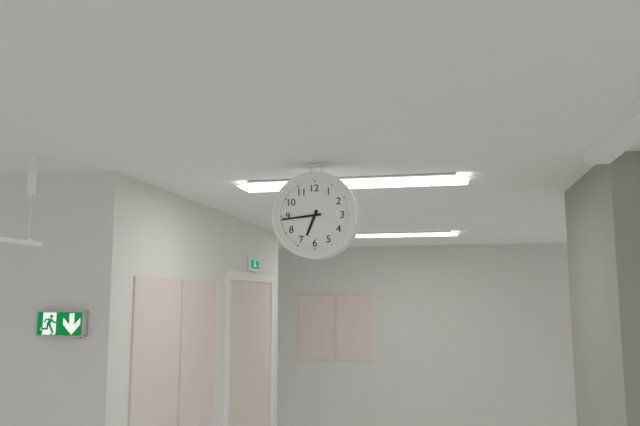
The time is 6:44
